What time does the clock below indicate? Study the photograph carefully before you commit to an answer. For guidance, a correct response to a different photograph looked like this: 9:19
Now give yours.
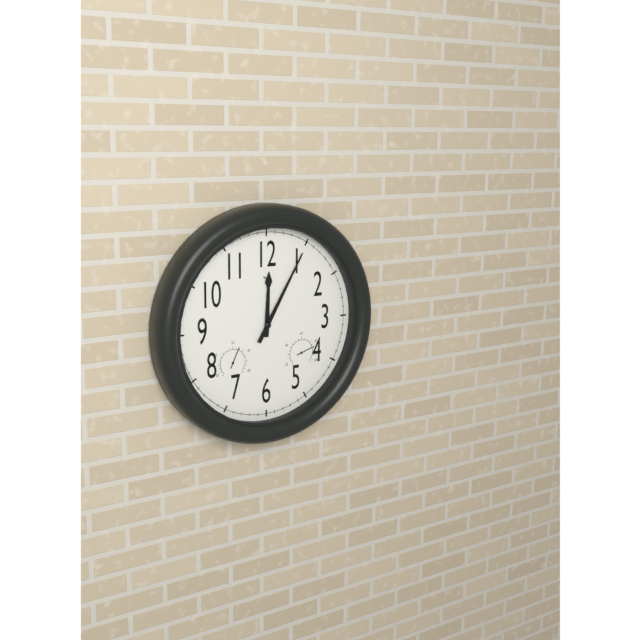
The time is 12:05
